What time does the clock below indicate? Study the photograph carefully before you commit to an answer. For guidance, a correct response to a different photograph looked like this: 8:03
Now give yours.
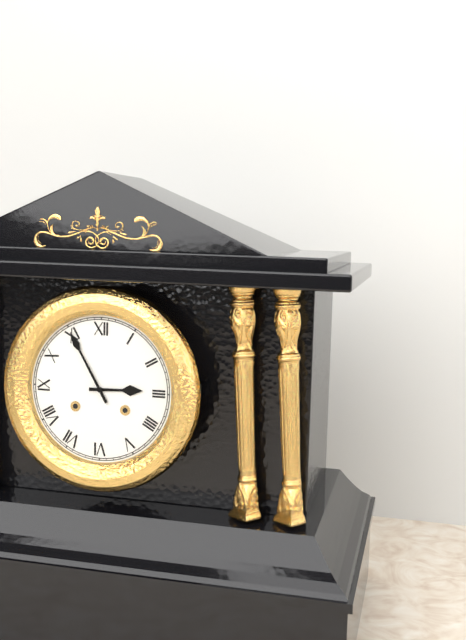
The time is 2:55
